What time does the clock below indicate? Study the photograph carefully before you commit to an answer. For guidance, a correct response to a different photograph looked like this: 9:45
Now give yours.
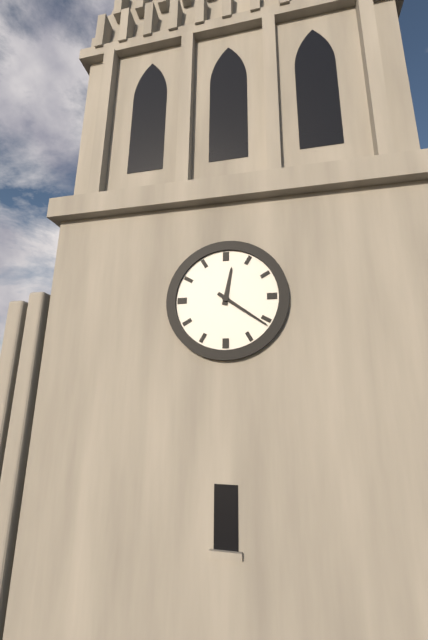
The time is 12:21
